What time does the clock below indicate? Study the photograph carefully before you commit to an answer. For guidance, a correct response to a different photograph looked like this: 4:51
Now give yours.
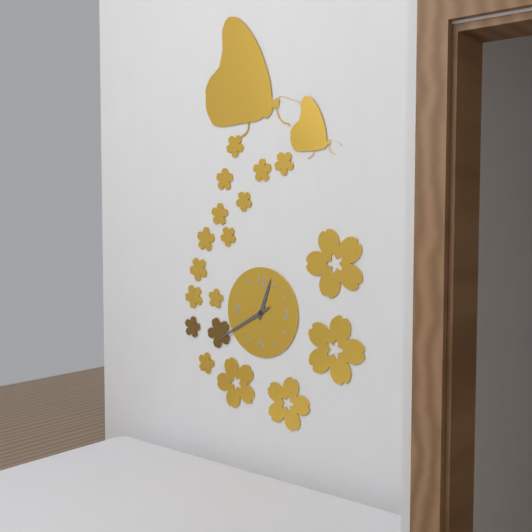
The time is 12:40
